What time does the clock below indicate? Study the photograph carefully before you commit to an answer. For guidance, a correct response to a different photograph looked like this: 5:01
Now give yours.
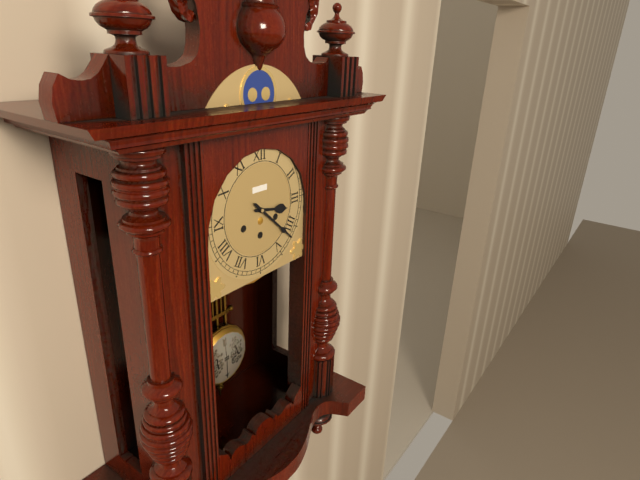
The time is 3:22
